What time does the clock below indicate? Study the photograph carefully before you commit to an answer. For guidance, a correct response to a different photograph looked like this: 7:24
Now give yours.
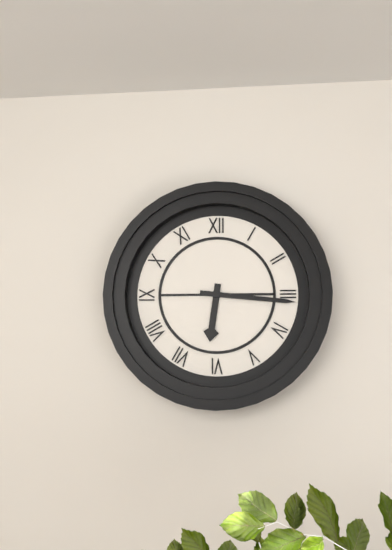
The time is 6:16
